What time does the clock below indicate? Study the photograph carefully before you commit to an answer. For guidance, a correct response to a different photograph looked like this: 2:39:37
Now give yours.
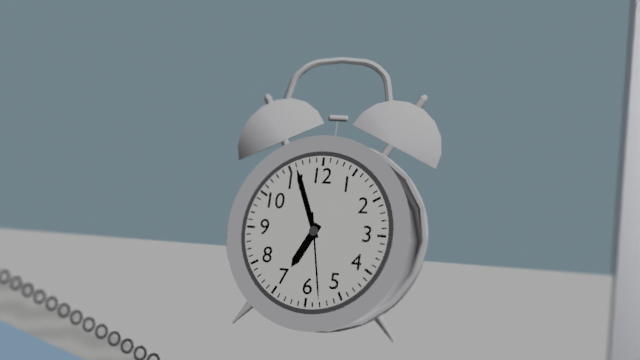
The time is 6:56:28
